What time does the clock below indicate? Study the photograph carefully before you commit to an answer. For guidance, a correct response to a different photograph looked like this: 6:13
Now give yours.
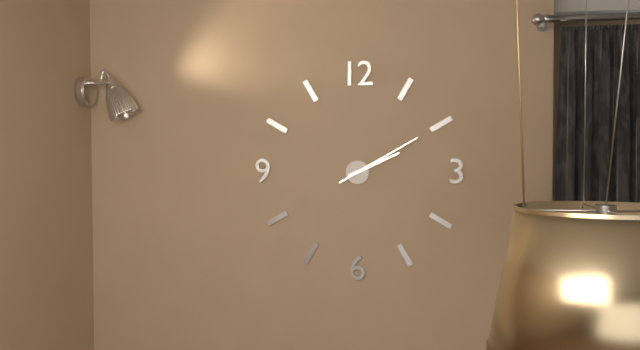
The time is 2:10
